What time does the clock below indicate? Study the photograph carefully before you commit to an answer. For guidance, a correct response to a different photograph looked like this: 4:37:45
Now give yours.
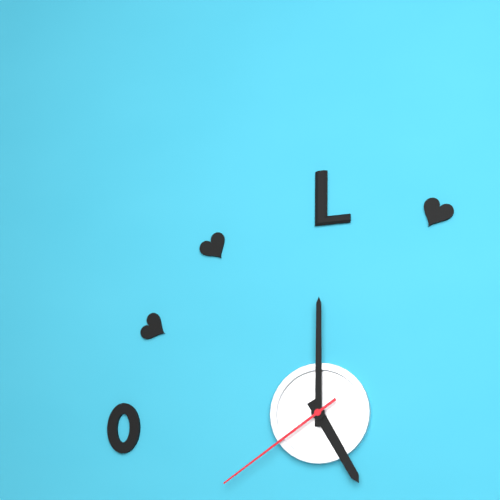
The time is 5:00:39
